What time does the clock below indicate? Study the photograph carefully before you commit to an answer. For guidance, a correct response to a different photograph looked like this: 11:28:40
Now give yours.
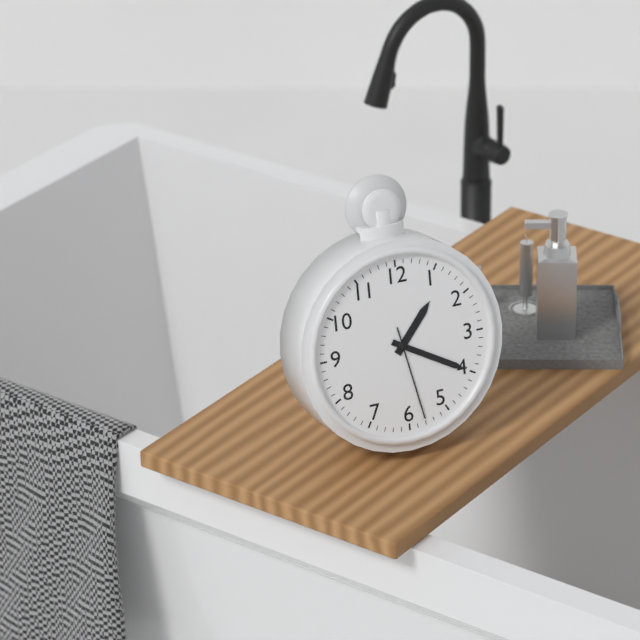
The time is 1:20:28
